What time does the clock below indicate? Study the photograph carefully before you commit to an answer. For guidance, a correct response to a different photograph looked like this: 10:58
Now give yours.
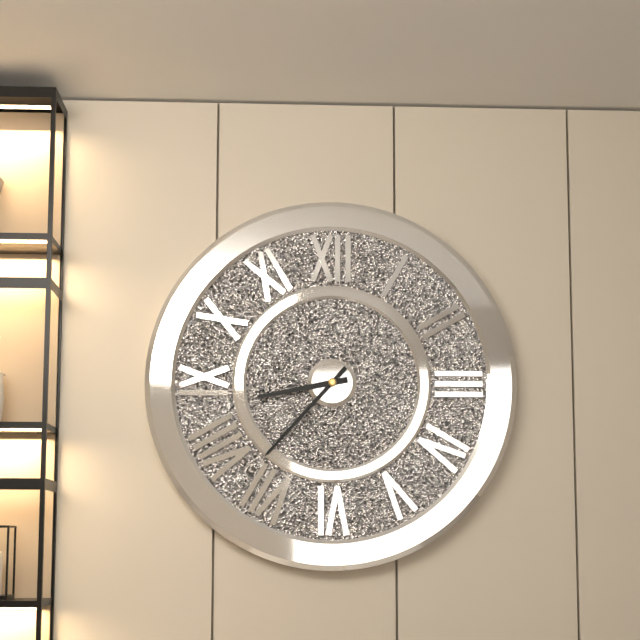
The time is 8:37
